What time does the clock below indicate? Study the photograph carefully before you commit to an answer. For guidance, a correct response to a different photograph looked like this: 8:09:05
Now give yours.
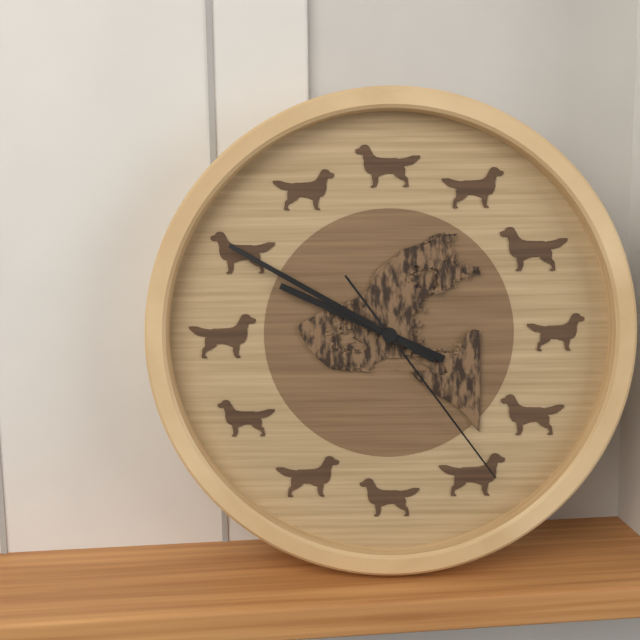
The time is 9:50:24
